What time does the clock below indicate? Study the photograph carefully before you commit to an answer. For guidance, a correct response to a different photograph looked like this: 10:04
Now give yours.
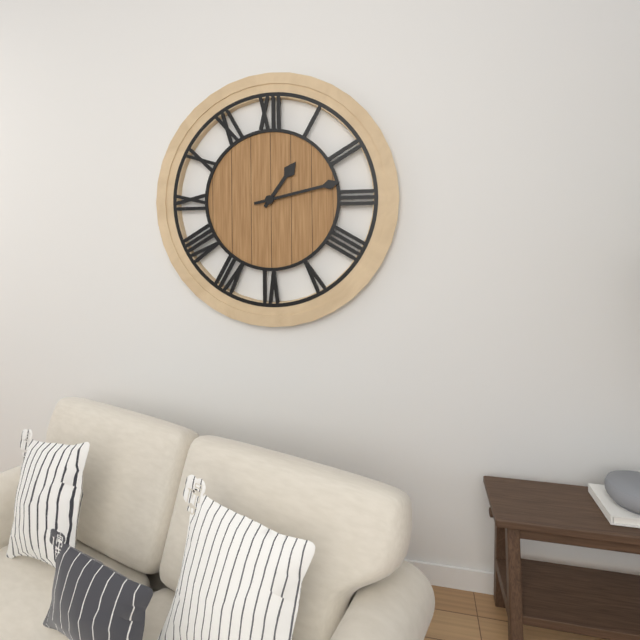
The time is 1:13
